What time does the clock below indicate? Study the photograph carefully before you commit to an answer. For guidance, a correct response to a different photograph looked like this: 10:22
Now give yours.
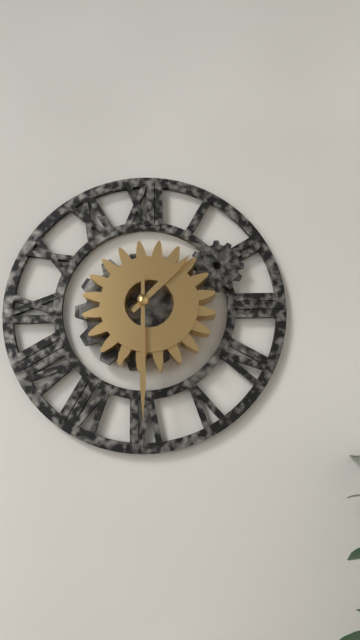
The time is 1:30
